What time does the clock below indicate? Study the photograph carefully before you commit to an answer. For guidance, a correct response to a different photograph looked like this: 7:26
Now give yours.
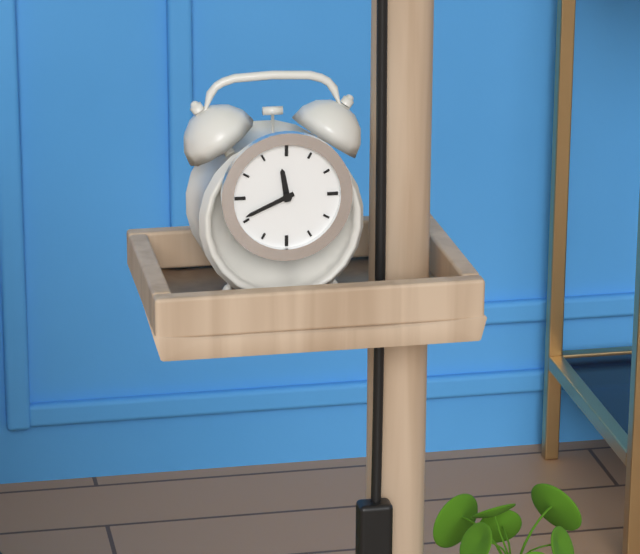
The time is 11:41
